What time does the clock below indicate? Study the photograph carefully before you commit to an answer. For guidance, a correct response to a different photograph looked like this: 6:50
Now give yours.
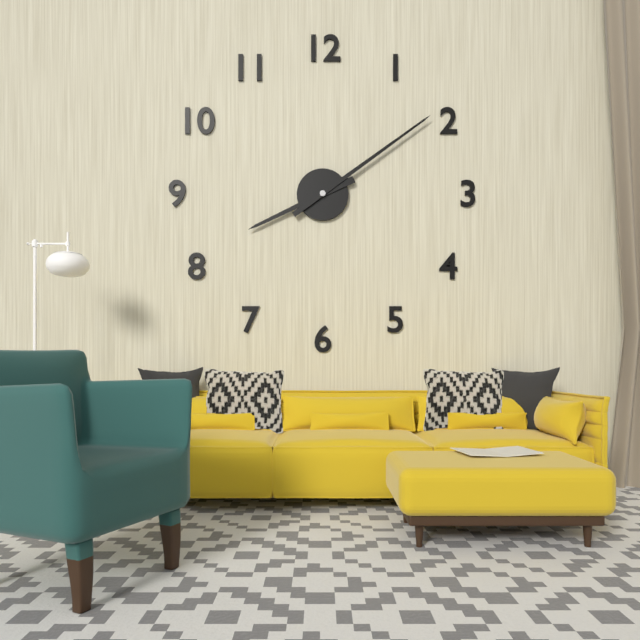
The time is 8:09
